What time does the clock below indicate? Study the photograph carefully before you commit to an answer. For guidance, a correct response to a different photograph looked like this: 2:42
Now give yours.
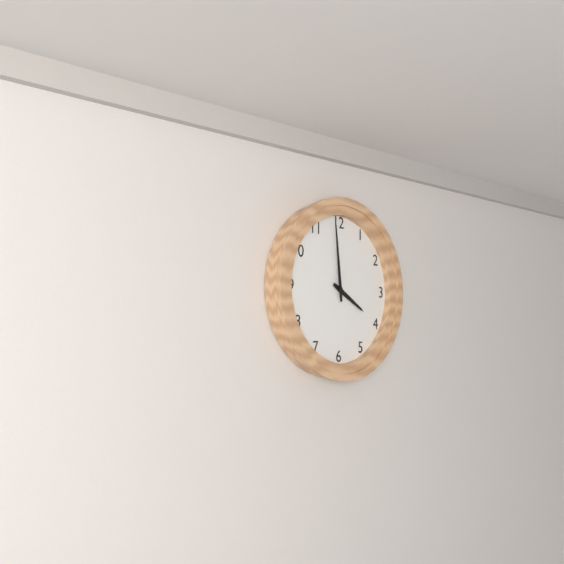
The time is 3:59
